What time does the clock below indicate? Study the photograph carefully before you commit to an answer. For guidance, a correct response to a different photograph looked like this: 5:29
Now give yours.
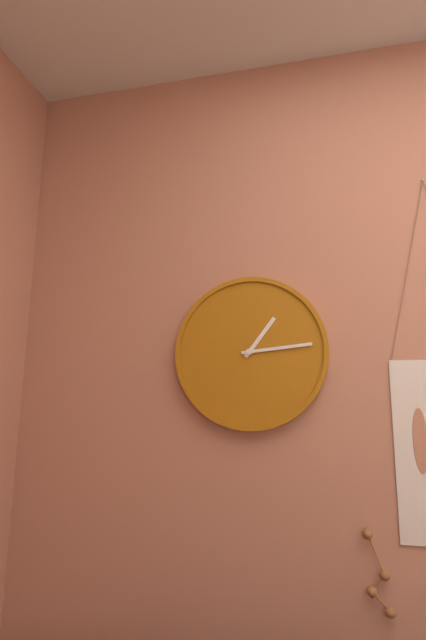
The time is 1:14
